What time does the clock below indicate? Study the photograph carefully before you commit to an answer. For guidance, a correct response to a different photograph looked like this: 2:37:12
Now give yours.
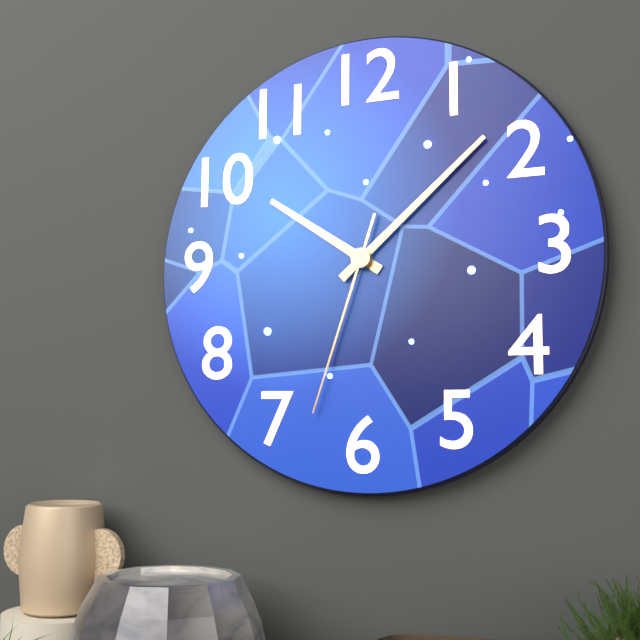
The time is 10:08:33
